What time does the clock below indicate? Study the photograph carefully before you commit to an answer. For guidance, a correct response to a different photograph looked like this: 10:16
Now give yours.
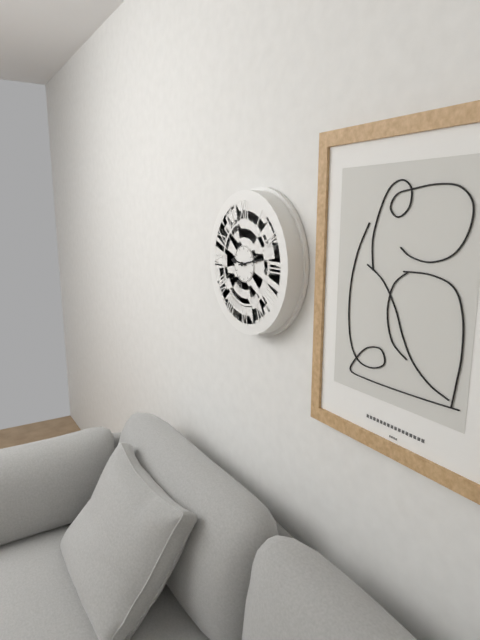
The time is 9:13
